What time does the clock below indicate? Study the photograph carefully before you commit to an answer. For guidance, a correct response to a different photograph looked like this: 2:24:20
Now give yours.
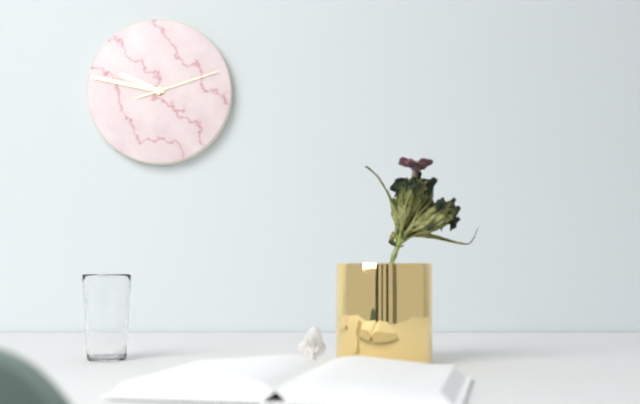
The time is 9:47:12
